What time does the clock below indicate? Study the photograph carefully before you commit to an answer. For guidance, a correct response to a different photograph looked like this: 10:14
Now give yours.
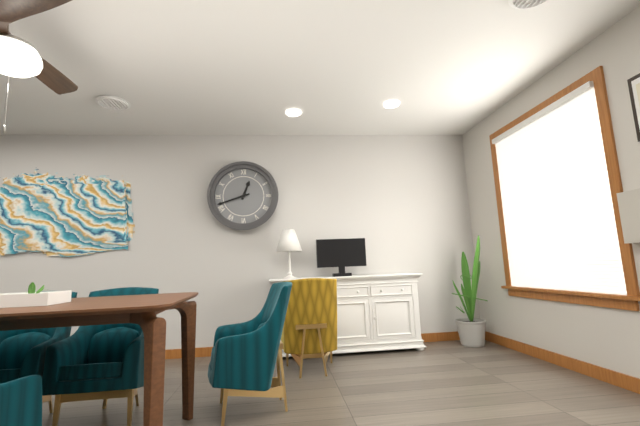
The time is 12:42
